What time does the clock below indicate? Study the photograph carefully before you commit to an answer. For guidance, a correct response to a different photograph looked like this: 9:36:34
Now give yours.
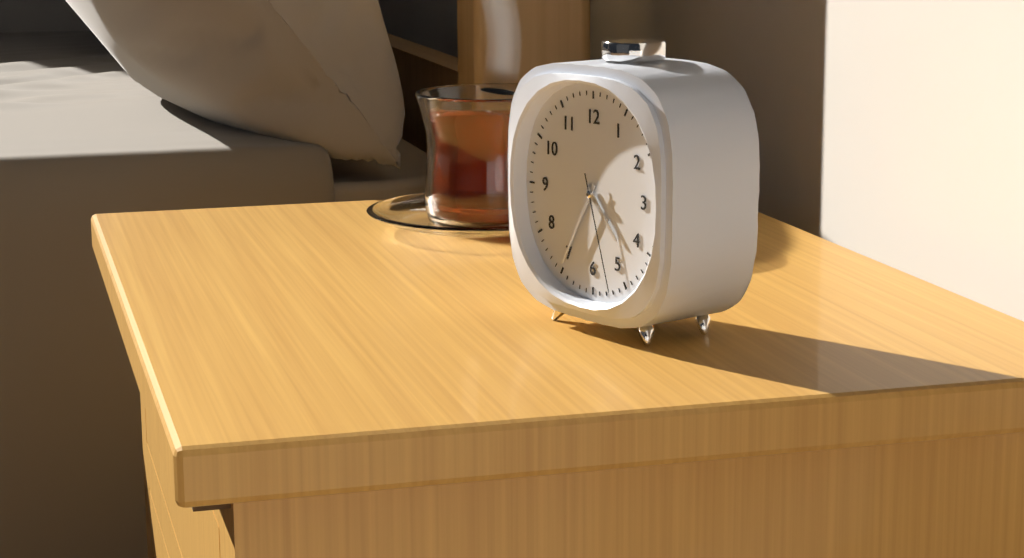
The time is 4:35:27
